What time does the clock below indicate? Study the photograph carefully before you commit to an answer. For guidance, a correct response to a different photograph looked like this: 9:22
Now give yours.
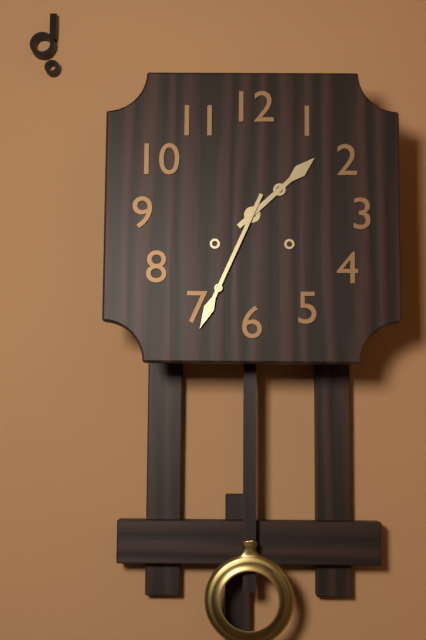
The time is 1:34
